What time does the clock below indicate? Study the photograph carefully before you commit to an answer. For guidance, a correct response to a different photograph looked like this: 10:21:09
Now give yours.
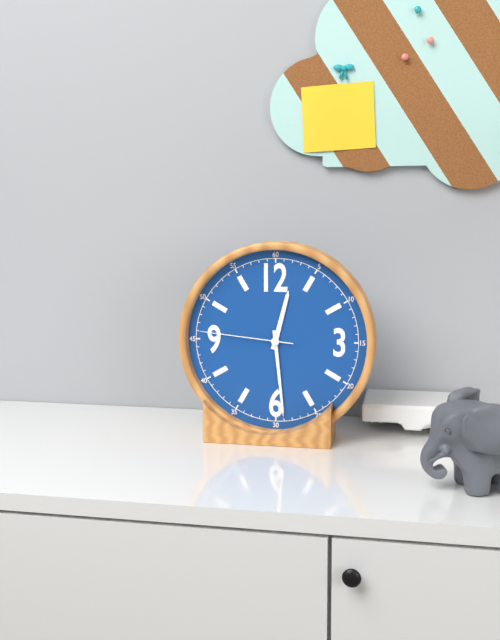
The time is 12:29:46
